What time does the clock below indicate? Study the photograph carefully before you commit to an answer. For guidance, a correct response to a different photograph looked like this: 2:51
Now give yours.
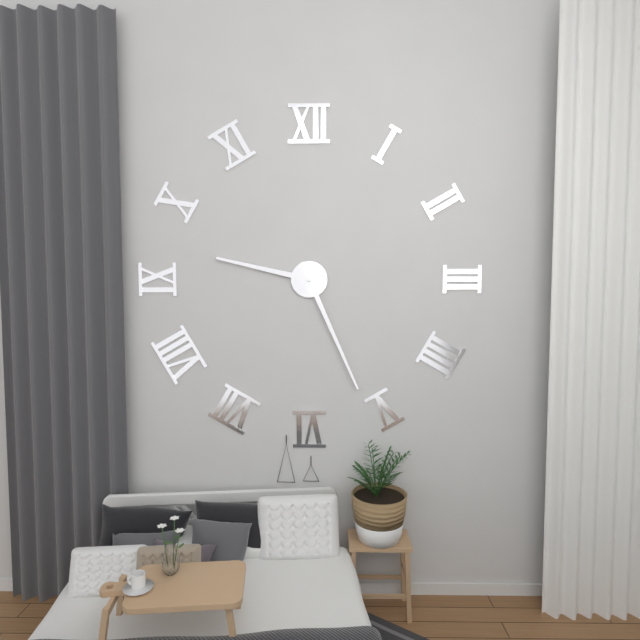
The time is 9:26
